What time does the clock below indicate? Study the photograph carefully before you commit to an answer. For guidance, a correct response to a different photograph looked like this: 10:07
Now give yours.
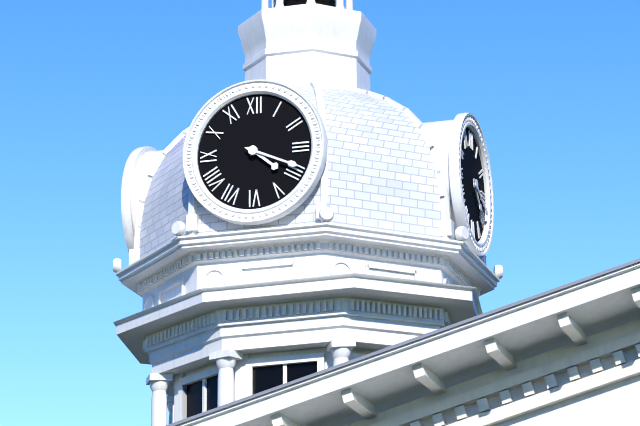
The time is 4:19
